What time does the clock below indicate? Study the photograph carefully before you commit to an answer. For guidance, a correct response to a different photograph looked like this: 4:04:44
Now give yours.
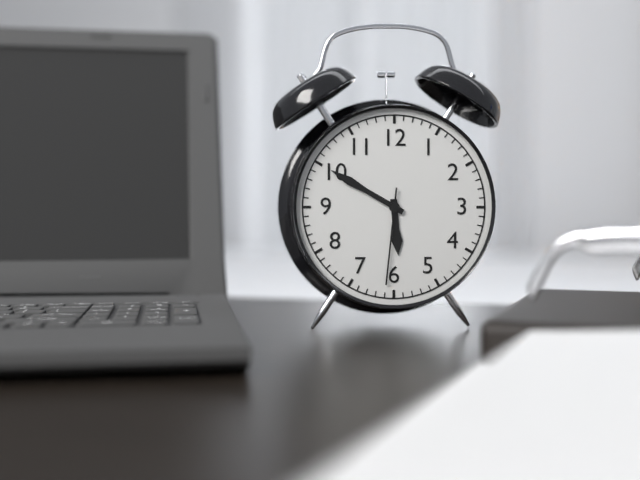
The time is 5:50:31
